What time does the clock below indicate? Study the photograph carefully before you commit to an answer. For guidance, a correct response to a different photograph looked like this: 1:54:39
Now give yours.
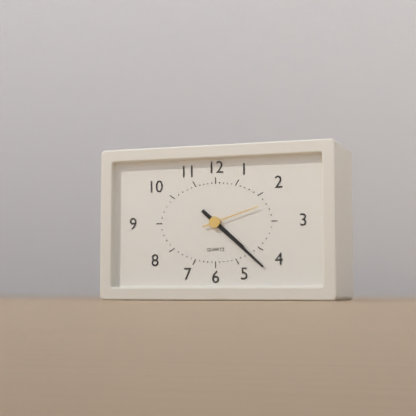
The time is 4:22:12
